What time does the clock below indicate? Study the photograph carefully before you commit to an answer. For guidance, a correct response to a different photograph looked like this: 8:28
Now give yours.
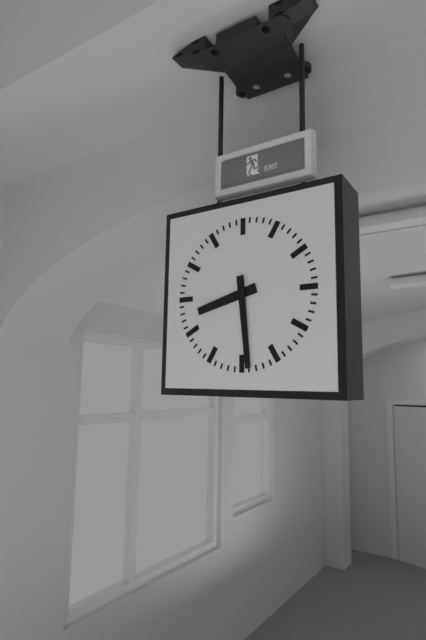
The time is 8:29
